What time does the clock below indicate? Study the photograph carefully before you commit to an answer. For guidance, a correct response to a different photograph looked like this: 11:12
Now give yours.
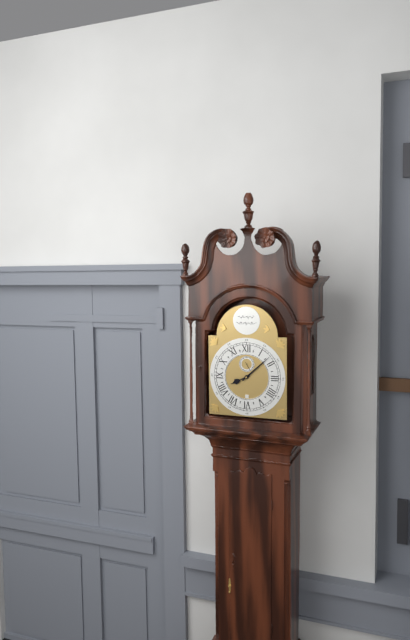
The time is 8:08
